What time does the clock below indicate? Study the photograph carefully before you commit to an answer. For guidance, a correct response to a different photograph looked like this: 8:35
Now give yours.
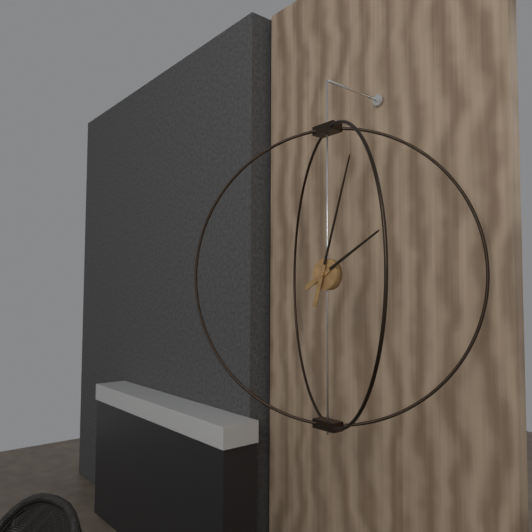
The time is 2:03
